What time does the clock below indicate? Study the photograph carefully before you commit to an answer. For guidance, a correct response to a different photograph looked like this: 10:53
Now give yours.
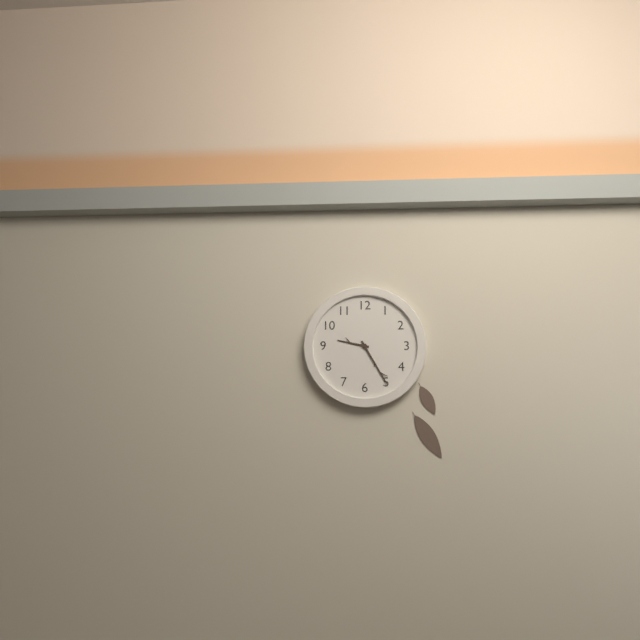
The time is 9:25
